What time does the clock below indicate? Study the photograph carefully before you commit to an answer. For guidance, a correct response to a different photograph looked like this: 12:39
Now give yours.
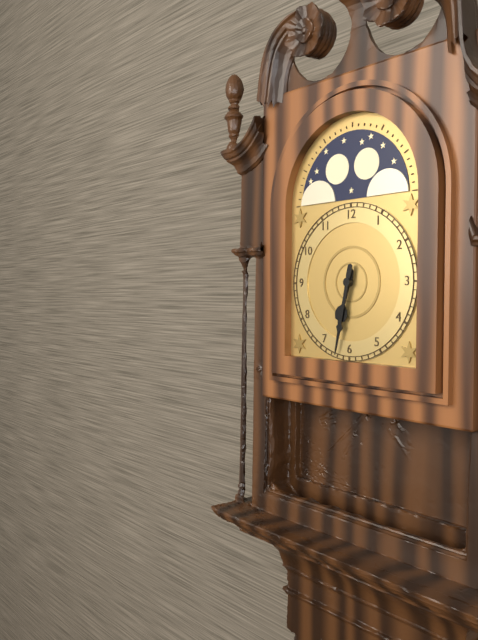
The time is 6:32
